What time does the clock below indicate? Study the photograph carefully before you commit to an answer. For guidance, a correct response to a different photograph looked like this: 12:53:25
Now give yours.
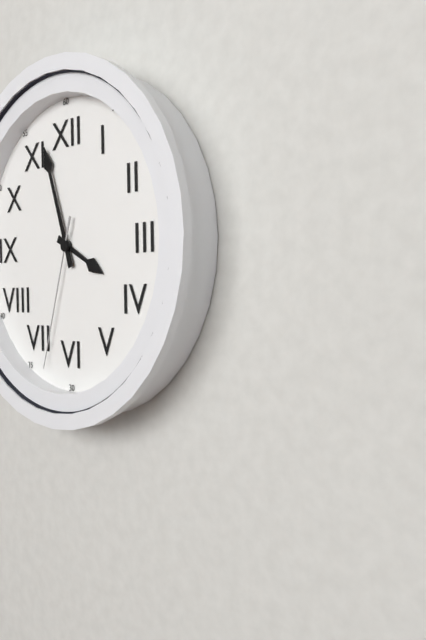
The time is 3:57:33
